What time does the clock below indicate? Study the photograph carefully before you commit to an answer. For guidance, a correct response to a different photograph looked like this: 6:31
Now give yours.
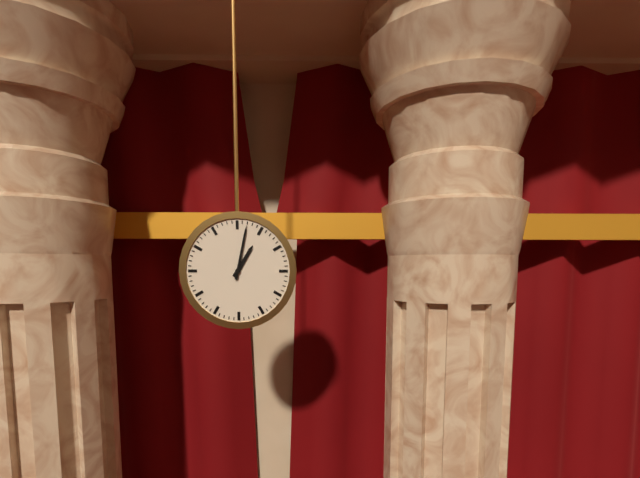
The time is 1:02
